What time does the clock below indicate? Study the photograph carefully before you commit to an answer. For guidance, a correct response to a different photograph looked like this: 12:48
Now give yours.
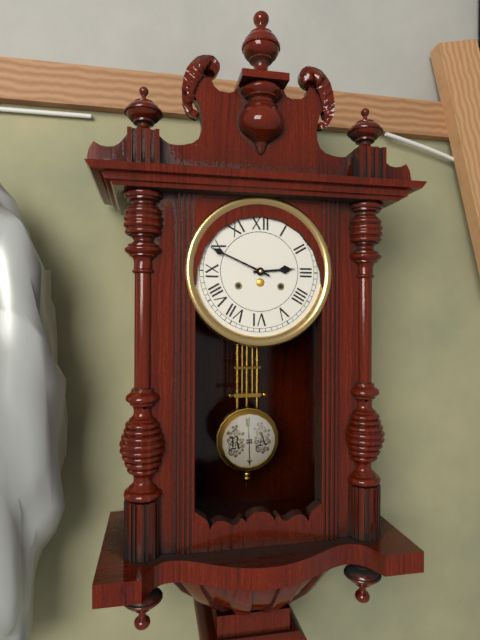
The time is 2:49
